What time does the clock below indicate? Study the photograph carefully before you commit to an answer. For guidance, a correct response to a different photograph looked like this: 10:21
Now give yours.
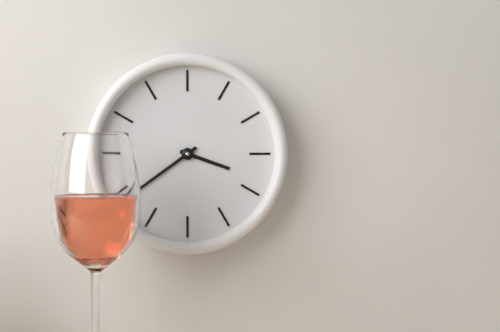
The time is 3:39
